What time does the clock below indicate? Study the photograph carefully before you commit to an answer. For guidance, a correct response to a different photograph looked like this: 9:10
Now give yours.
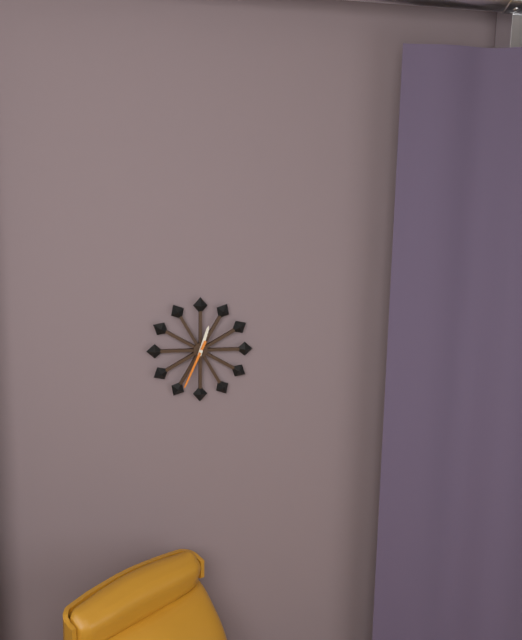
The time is 12:34
